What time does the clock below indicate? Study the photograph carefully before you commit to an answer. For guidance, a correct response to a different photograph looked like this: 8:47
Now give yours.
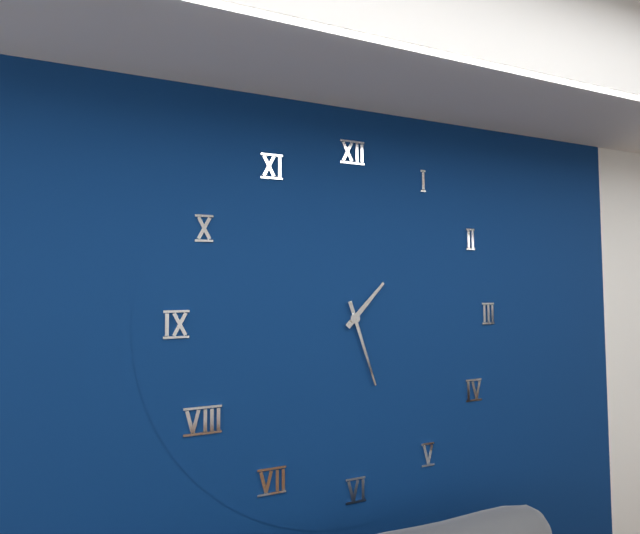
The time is 1:27
